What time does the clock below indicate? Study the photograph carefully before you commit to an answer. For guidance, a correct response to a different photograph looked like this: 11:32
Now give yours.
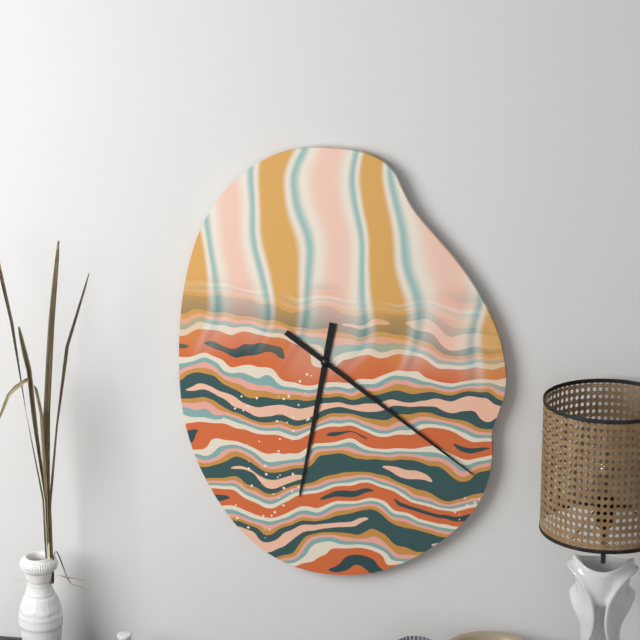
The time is 6:21
